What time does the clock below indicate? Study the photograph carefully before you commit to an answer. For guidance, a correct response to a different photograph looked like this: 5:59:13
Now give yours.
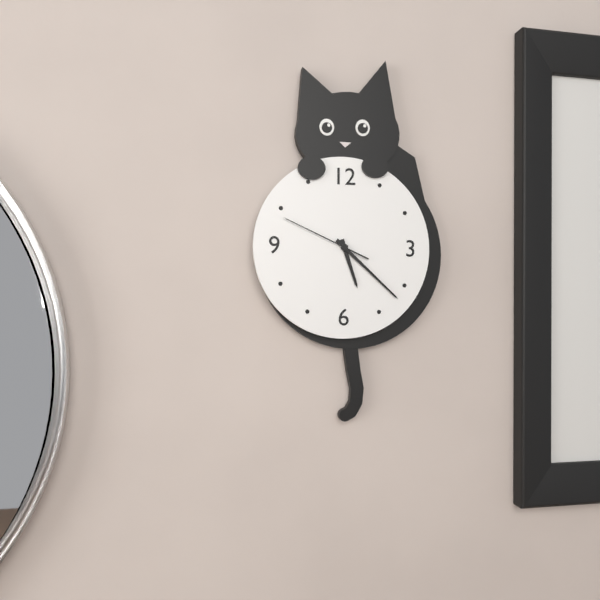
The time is 5:22:49
